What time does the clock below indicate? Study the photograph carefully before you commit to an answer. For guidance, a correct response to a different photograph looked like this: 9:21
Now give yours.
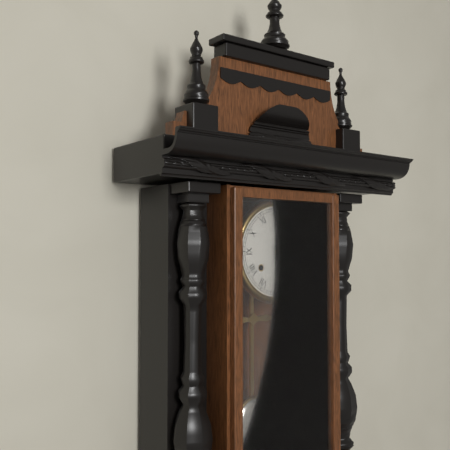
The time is 5:04
